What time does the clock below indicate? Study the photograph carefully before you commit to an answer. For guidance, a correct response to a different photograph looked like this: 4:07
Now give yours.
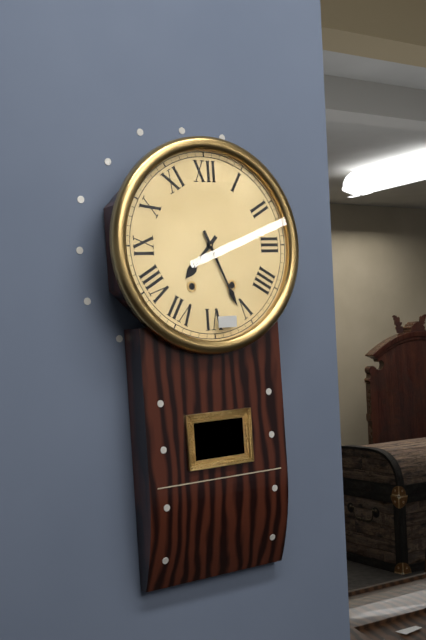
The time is 7:26
